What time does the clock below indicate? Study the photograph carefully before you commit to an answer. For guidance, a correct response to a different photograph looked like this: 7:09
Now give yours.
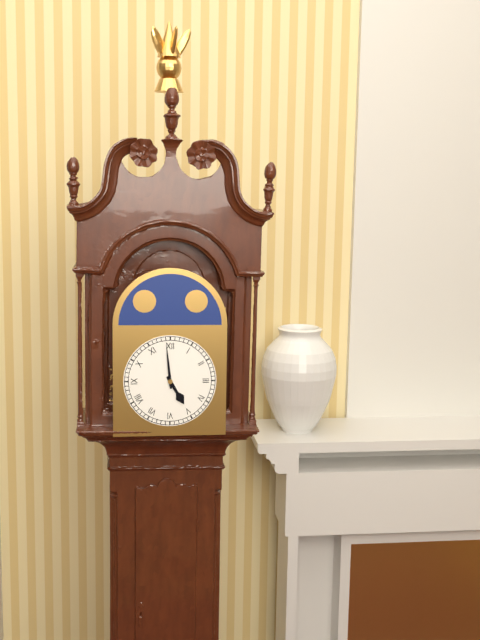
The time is 4:59
